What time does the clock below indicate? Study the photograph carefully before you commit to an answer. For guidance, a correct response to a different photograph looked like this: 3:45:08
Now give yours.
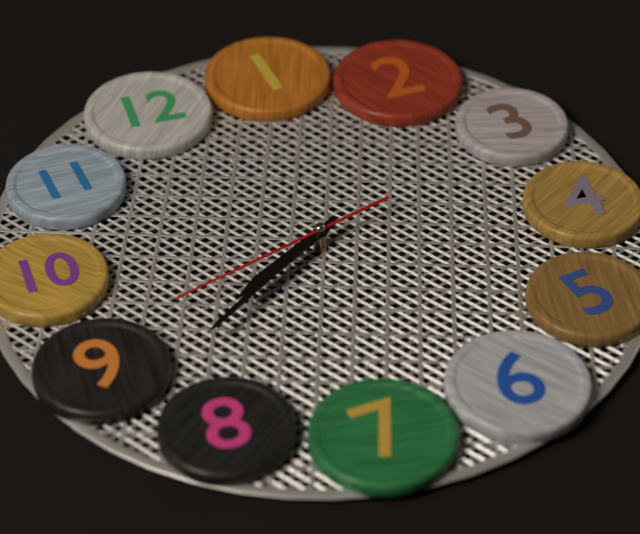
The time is 8:43:46
